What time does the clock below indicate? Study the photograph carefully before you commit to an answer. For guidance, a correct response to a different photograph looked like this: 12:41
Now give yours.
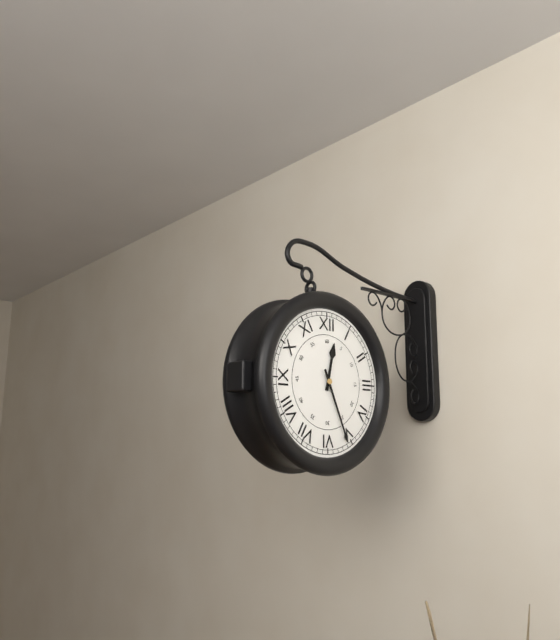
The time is 12:26
